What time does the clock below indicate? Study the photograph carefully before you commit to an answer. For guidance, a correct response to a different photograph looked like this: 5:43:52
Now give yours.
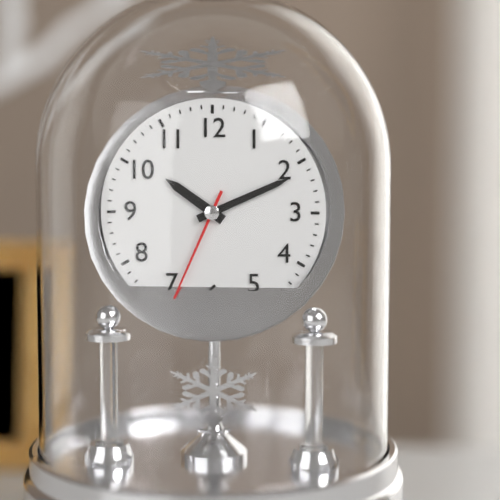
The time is 10:11:34
